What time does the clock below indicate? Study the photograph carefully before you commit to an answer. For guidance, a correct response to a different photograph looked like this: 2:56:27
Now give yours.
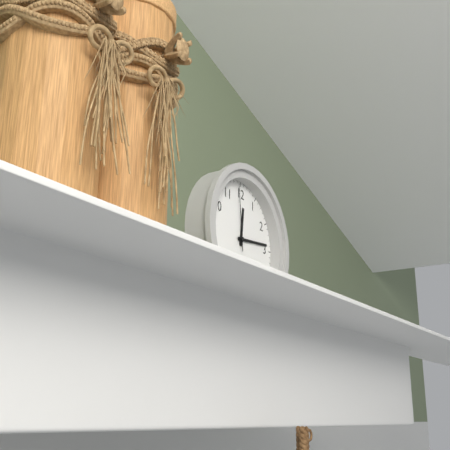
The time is 12:14:59
